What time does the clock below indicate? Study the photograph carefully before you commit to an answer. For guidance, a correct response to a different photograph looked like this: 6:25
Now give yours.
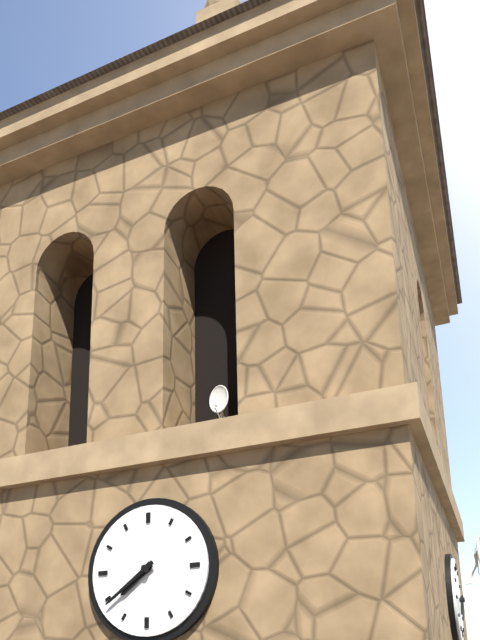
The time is 7:39
